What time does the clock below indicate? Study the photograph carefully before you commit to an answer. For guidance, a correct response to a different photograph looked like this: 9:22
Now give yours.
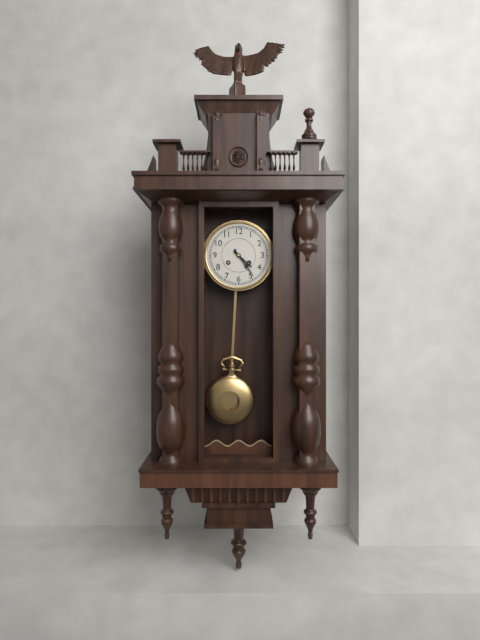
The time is 4:24
